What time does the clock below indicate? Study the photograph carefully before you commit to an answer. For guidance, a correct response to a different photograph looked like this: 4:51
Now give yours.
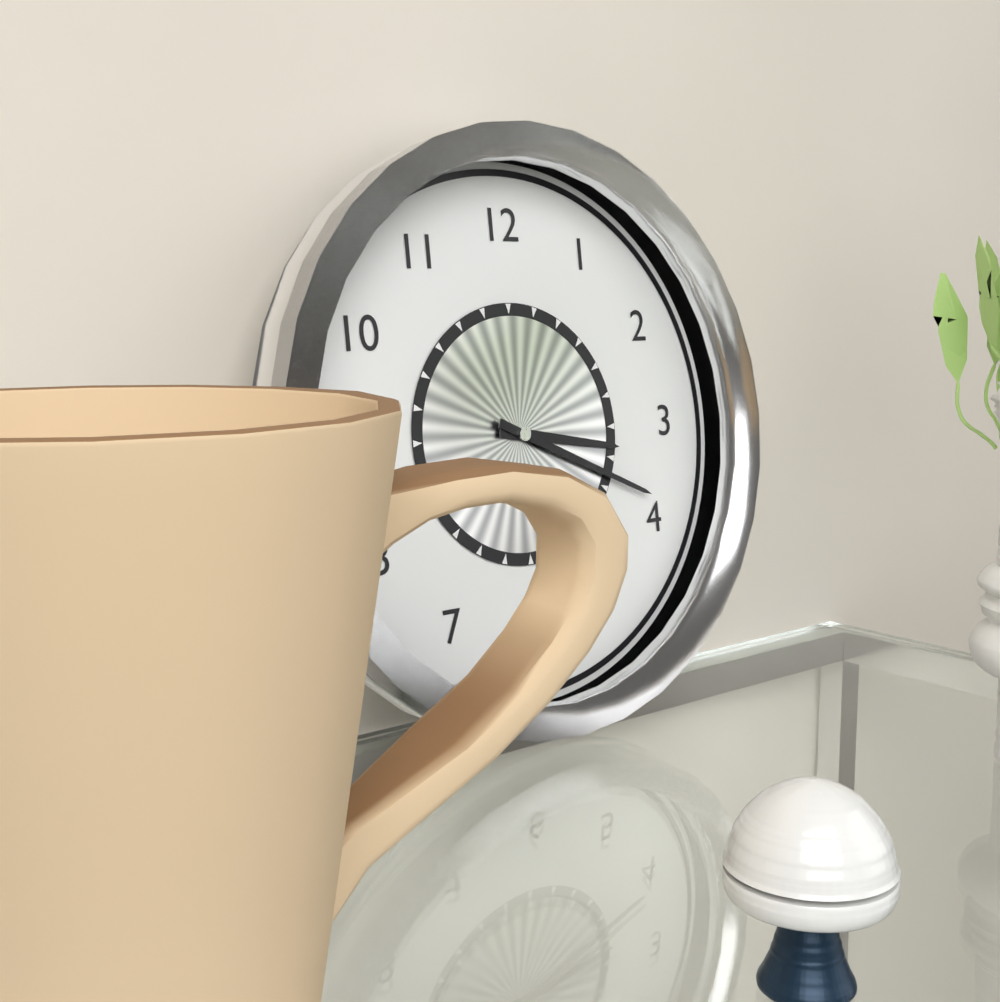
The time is 3:19
